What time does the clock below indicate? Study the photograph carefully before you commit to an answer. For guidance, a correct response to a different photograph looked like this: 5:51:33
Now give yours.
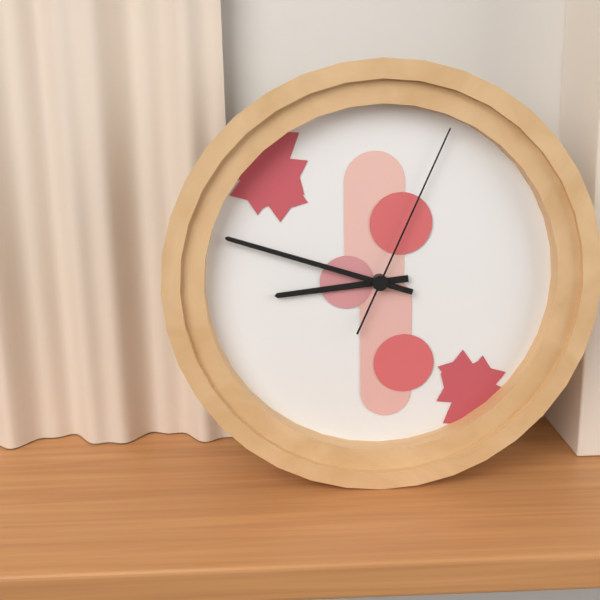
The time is 8:48:04
